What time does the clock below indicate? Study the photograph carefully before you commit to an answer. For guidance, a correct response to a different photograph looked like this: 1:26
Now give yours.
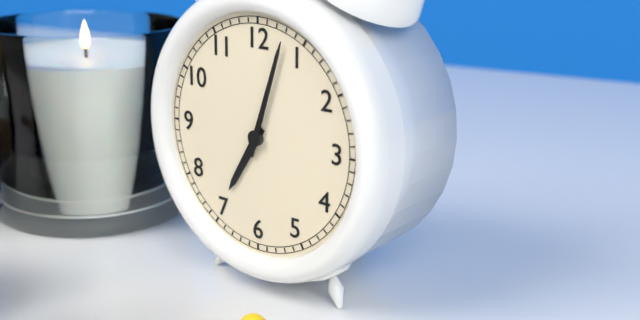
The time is 7:03
